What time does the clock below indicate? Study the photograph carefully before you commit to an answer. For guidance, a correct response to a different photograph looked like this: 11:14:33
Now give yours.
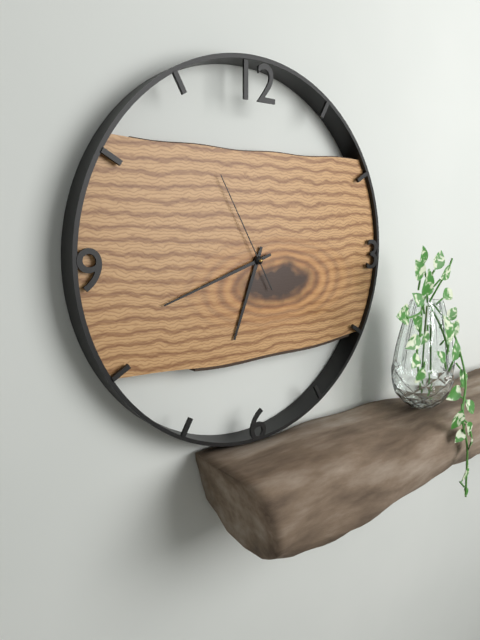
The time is 6:42:55
